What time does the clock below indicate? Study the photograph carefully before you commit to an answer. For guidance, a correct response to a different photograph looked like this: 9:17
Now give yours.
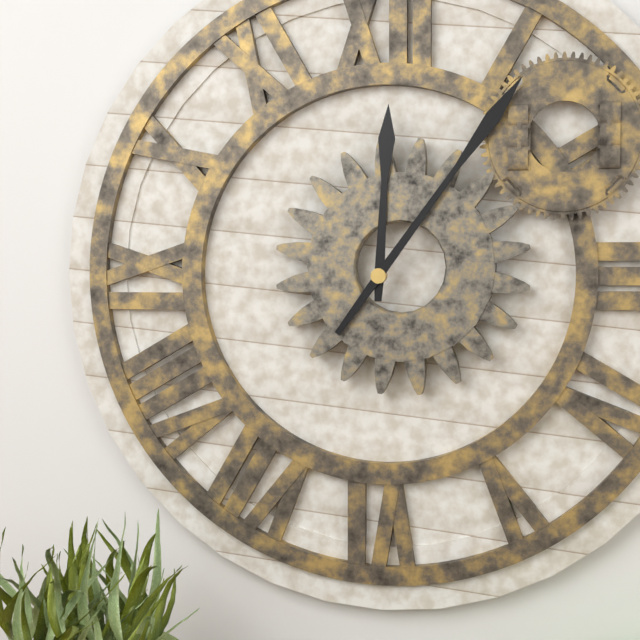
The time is 12:06
